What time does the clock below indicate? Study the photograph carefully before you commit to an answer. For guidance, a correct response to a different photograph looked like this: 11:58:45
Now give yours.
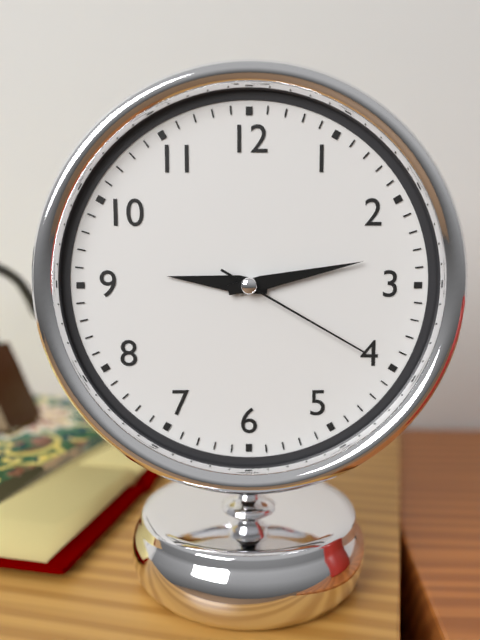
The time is 9:13:20
